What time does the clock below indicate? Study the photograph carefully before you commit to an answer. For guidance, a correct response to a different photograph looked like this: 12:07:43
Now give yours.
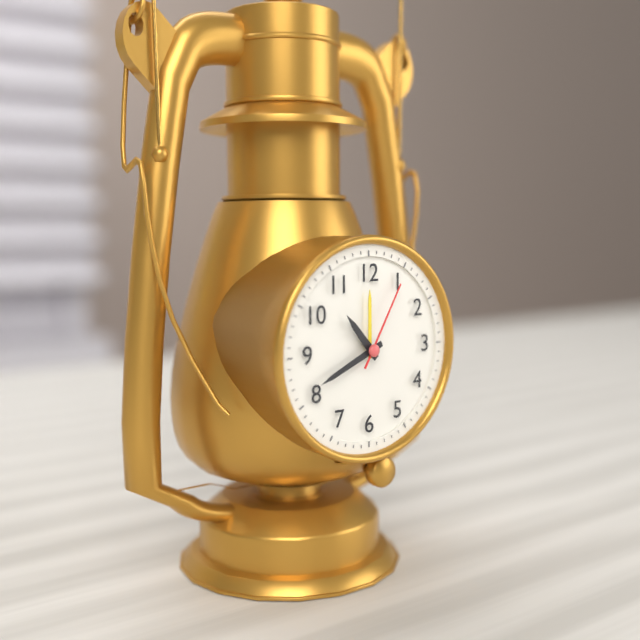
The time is 10:41:05
